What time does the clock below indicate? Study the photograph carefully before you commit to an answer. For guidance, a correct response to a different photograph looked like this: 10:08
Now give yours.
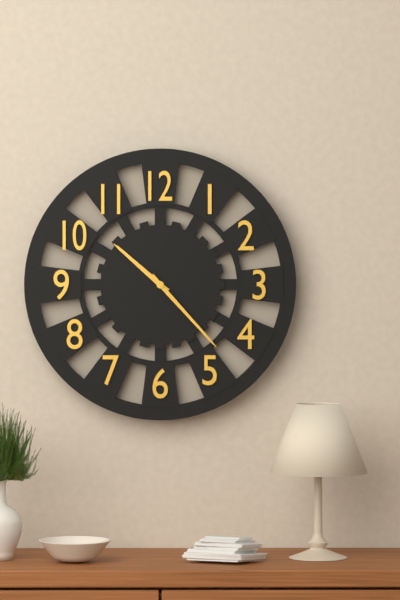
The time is 10:23
